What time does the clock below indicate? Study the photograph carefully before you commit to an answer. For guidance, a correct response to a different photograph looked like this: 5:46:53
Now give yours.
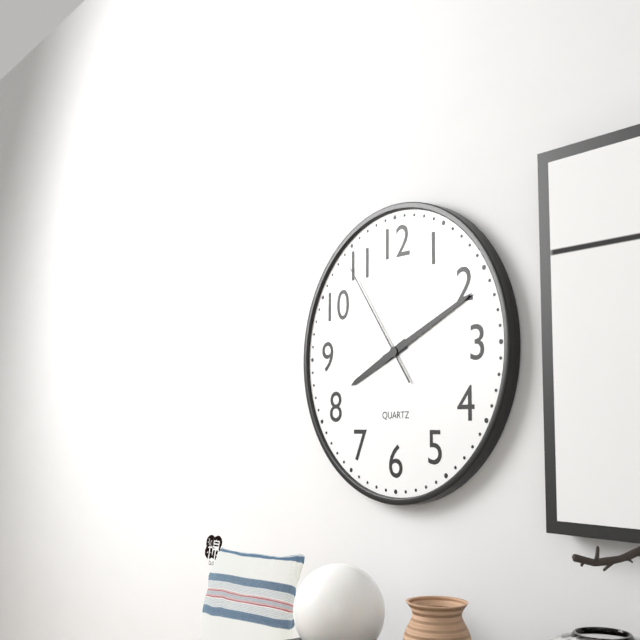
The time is 8:11:54
